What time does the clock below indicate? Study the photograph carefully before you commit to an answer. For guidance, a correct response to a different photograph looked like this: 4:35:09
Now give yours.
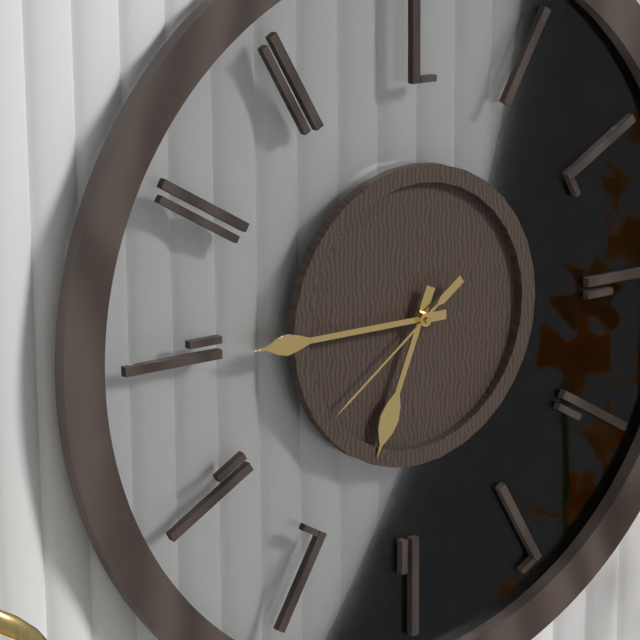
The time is 6:45:39
